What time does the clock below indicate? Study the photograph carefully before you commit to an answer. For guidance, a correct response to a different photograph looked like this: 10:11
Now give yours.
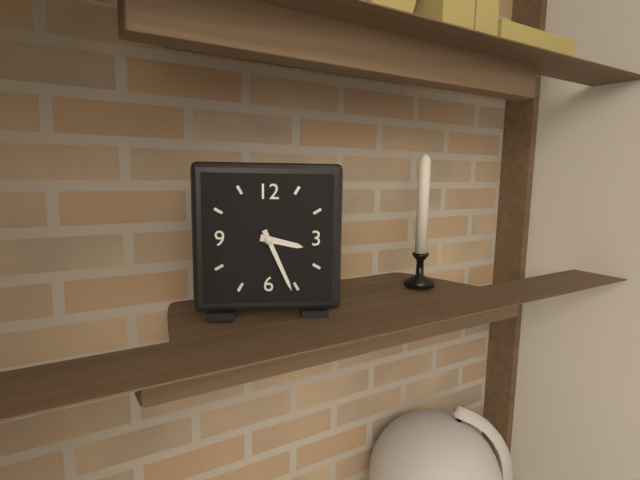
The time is 3:26
